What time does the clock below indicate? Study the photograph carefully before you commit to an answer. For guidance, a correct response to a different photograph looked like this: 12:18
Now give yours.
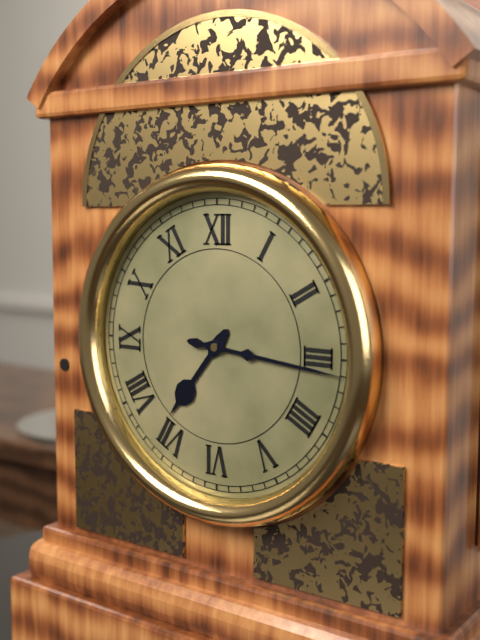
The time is 7:16
